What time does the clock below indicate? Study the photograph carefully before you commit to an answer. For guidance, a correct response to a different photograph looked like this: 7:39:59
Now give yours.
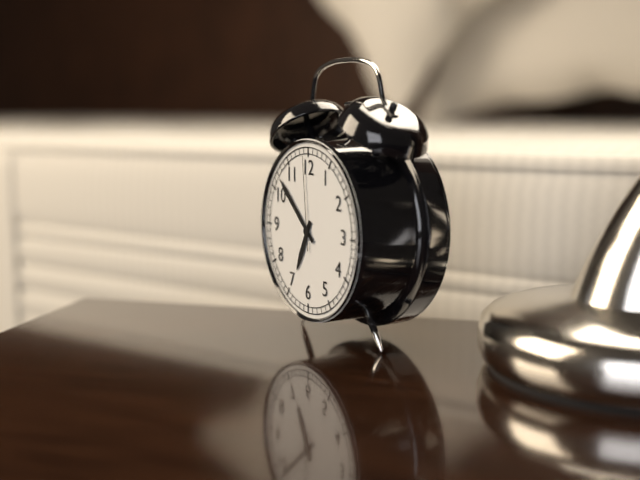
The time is 6:52:59
